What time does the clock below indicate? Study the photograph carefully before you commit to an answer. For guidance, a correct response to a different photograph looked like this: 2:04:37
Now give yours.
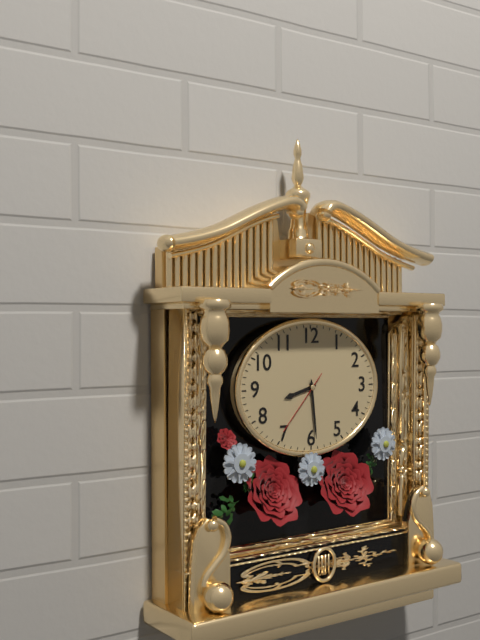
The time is 8:29:37
